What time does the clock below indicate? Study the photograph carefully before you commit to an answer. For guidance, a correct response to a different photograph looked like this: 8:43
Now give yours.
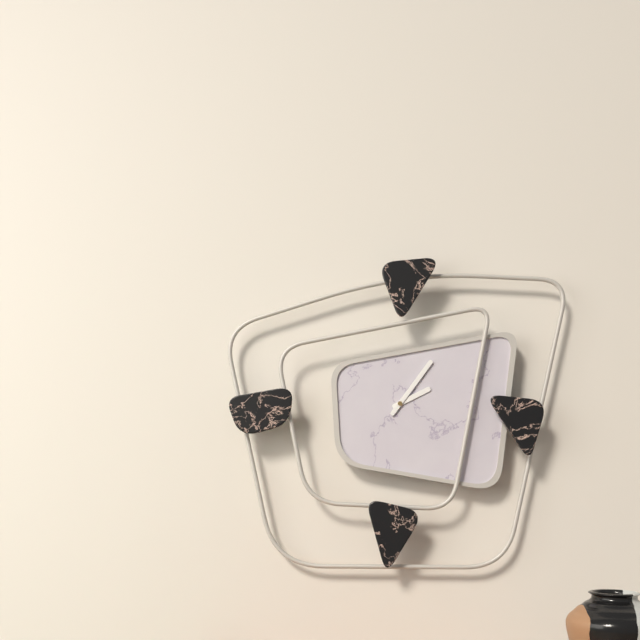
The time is 2:06
